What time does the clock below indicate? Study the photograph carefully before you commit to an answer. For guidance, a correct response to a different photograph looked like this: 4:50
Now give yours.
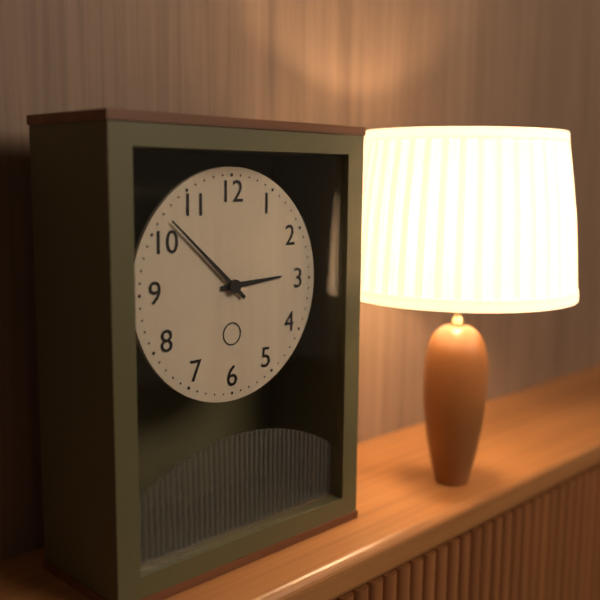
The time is 2:52
